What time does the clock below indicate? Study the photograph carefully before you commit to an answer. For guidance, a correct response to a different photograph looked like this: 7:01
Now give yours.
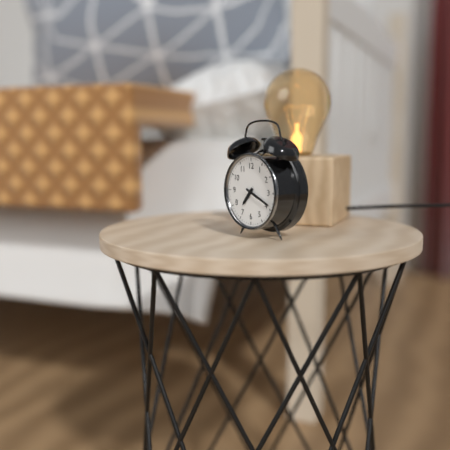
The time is 7:19
